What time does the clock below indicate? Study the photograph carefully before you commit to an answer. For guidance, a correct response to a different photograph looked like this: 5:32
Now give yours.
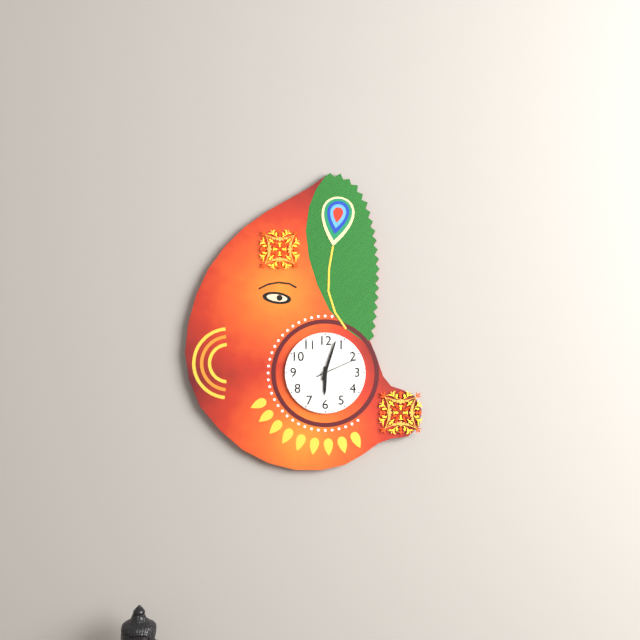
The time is 6:03
